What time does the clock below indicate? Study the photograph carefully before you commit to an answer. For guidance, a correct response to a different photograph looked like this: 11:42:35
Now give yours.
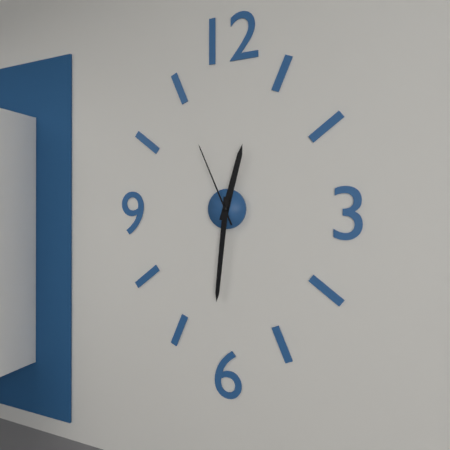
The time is 12:31:56
